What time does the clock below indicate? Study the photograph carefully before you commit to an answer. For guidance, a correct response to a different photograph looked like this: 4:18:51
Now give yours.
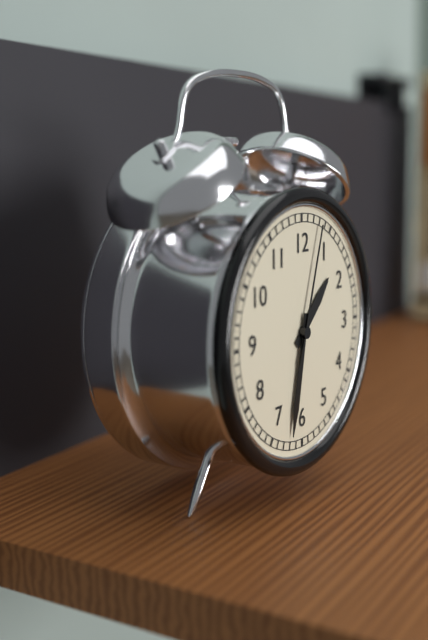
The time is 1:32:03
